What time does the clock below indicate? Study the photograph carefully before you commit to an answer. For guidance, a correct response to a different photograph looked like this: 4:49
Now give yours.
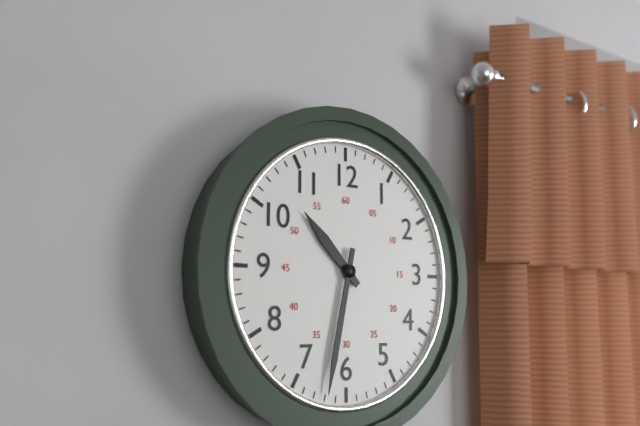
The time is 10:32
